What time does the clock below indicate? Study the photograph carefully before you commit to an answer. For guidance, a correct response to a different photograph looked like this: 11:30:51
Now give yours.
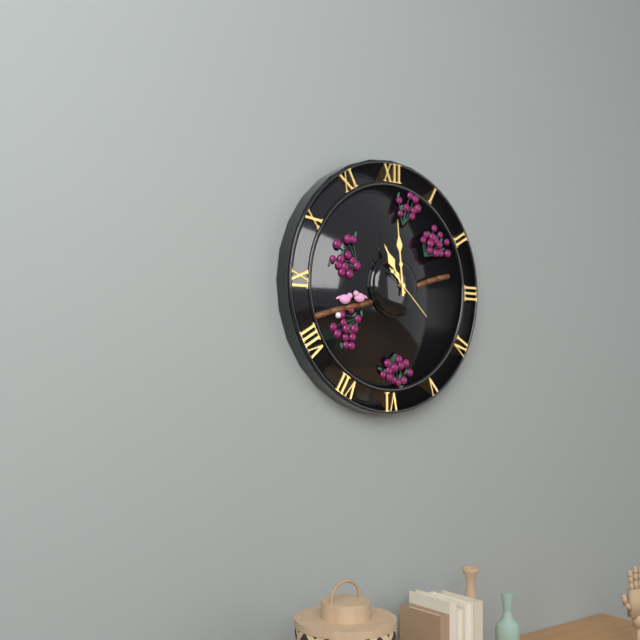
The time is 10:59:22
